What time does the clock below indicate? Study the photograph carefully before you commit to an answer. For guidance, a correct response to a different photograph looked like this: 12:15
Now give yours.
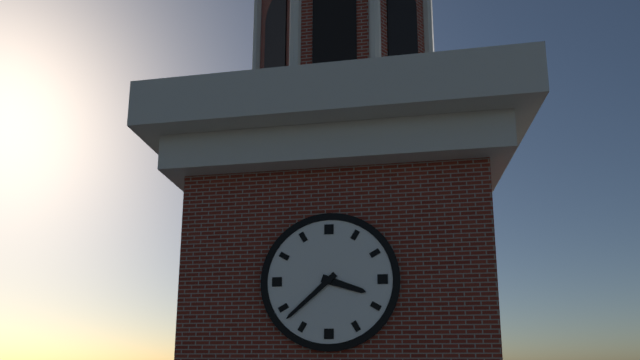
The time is 3:38
